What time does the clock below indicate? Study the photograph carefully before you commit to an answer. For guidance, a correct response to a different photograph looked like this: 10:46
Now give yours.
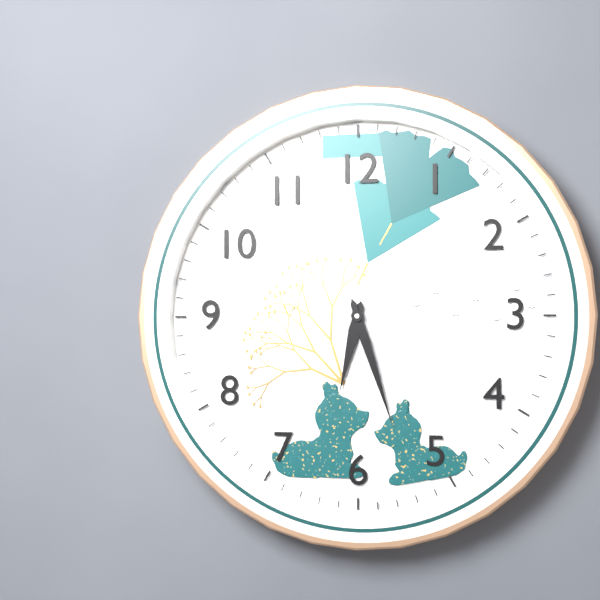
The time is 6:27
